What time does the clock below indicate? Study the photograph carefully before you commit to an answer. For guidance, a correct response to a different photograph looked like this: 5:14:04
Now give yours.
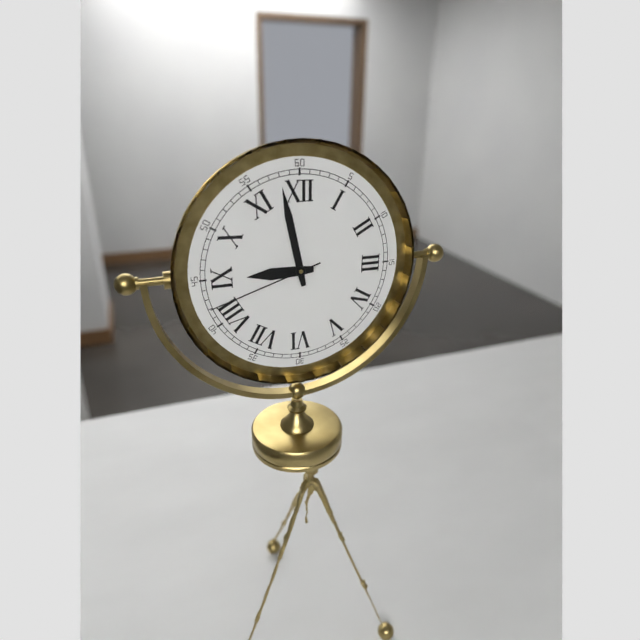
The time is 8:58:42
